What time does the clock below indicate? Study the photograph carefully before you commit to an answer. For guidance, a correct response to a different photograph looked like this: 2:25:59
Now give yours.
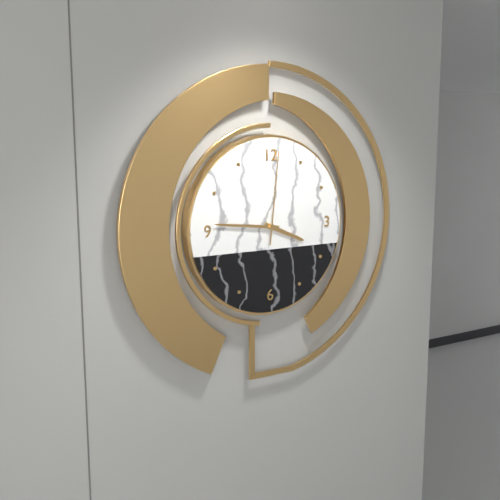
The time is 3:46:01
